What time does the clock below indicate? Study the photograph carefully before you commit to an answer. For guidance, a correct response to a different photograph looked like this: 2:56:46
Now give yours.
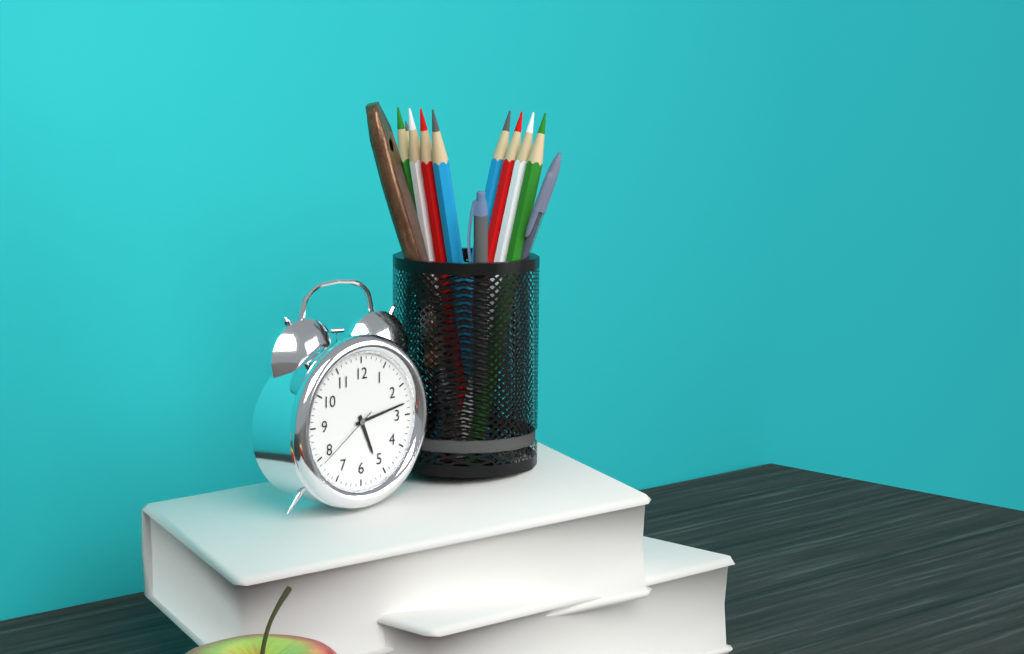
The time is 5:13:39
